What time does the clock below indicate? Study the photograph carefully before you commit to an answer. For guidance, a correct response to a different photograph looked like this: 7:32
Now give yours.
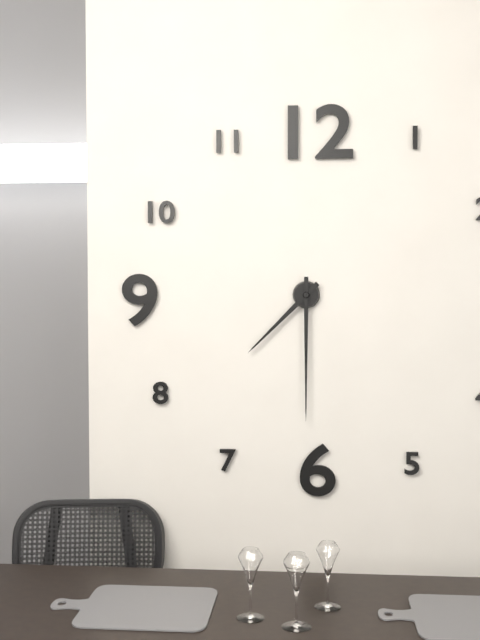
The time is 7:30
